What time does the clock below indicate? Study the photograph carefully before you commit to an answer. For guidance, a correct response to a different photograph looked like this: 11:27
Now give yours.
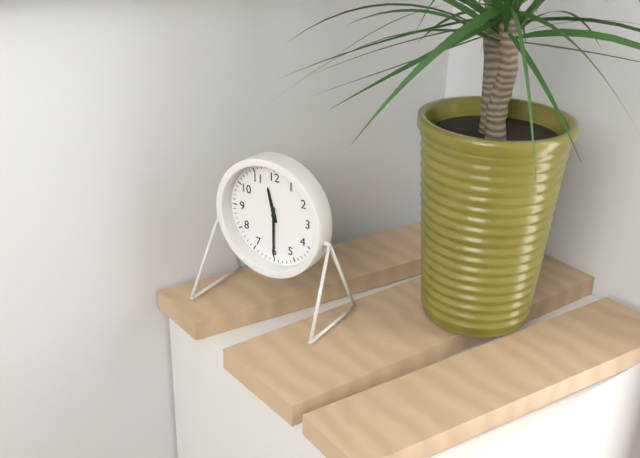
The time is 11:30
